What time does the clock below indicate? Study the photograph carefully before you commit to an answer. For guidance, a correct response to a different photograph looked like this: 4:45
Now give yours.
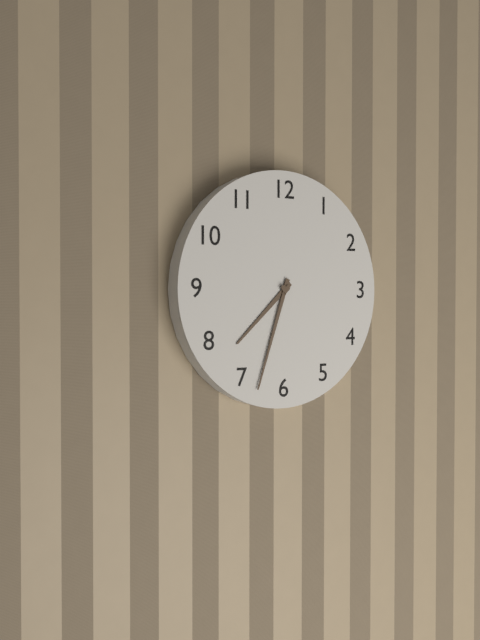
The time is 7:33
